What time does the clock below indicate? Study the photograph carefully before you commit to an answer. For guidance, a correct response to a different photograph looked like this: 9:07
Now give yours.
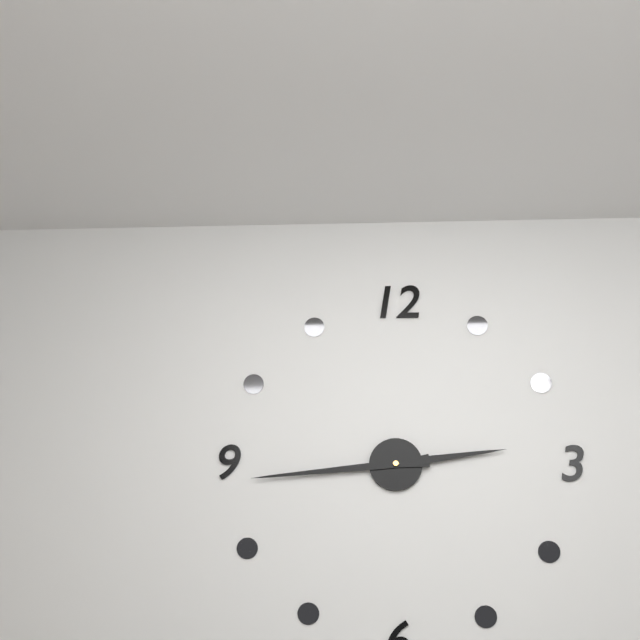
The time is 2:44
